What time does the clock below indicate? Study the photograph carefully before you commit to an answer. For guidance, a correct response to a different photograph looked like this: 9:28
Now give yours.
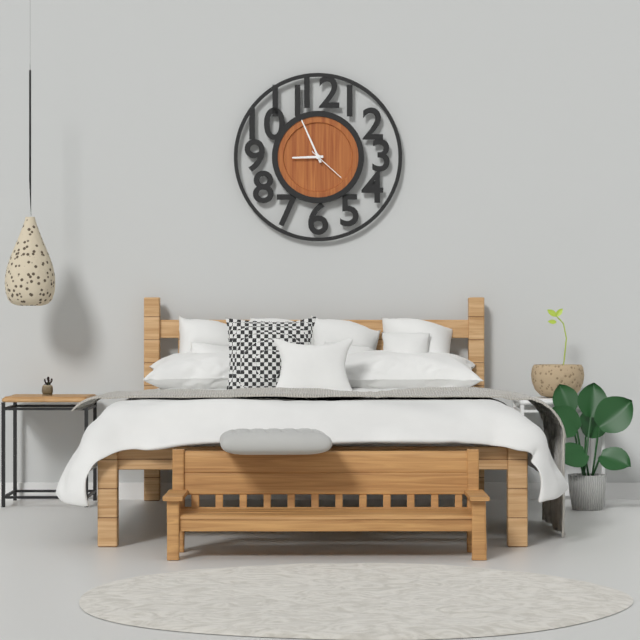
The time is 8:56
